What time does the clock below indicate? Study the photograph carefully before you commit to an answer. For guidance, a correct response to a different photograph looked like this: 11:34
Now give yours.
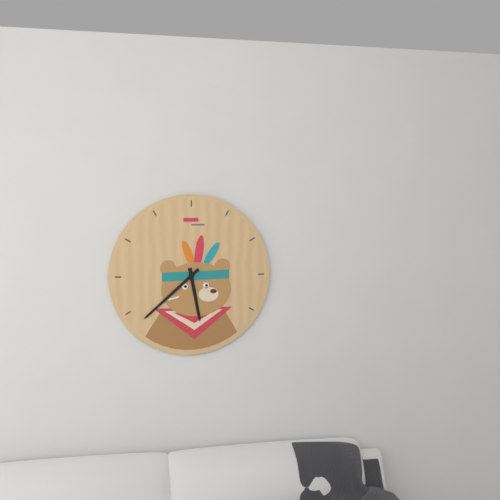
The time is 5:38
